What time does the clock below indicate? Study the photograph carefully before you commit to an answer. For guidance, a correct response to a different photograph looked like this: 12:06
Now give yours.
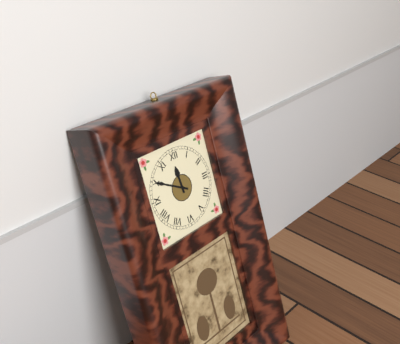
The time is 11:50
